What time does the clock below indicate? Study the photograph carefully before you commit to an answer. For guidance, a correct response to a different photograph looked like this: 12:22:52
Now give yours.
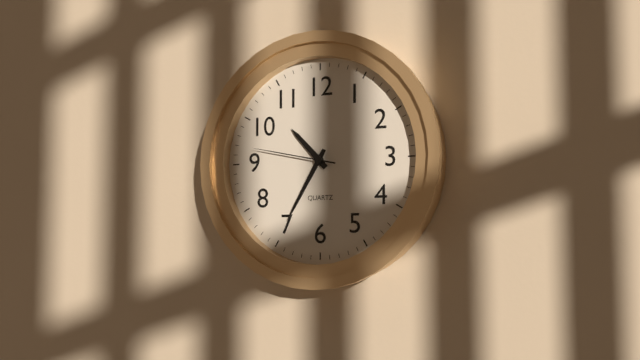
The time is 10:35:47
